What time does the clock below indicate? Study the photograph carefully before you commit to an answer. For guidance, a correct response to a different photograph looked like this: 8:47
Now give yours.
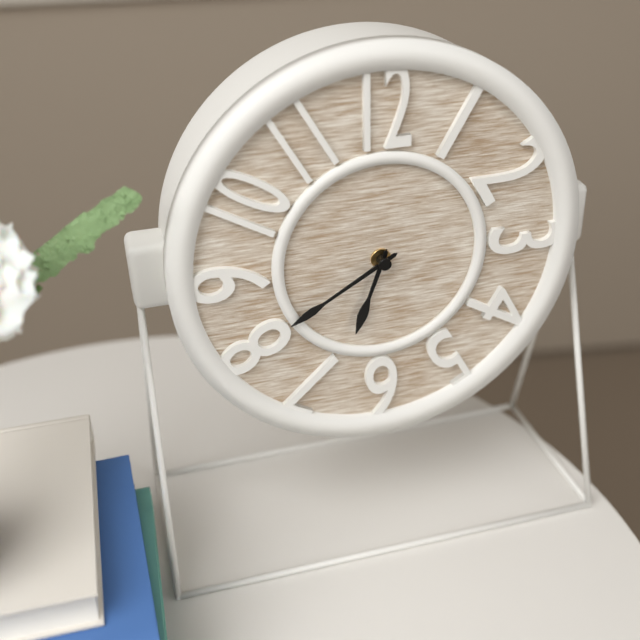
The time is 6:40
